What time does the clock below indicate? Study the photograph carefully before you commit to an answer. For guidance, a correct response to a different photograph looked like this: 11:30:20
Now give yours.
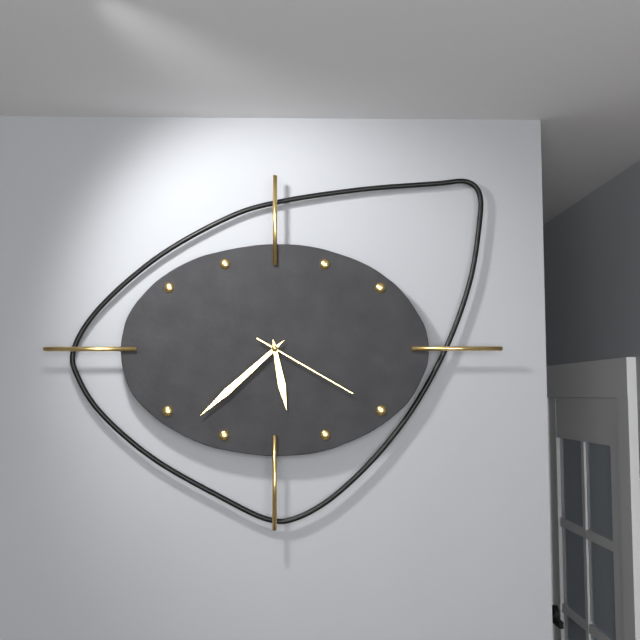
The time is 5:38:20
